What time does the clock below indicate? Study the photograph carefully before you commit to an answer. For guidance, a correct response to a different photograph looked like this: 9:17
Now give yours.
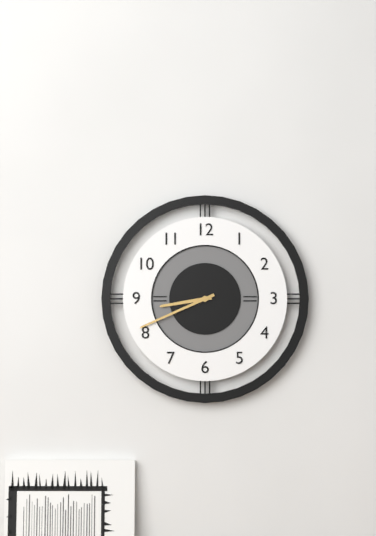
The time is 8:41
